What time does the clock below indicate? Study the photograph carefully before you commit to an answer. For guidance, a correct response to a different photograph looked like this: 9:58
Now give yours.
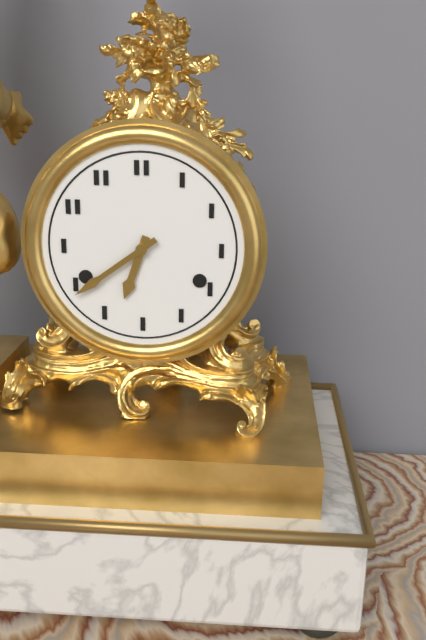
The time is 6:39
